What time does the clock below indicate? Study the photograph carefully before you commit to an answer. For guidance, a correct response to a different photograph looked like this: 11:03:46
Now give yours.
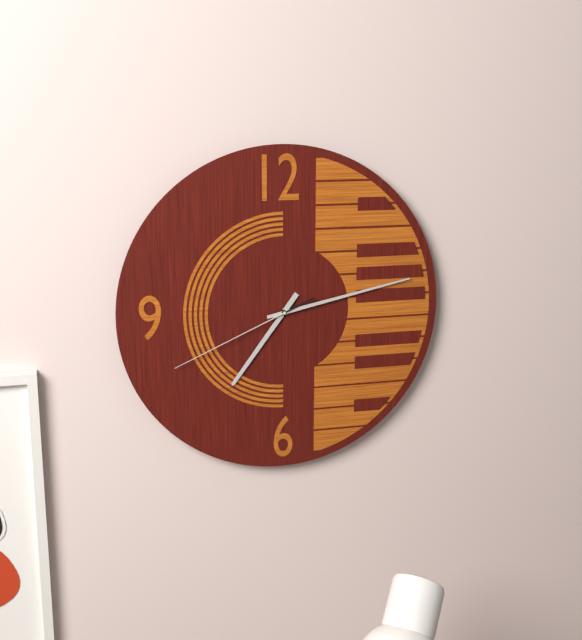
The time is 7:13:41
